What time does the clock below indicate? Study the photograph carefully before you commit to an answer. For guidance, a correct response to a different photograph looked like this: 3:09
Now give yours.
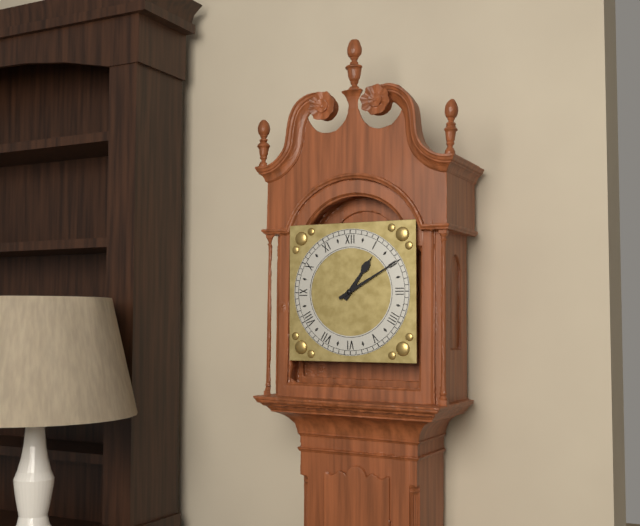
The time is 1:10
